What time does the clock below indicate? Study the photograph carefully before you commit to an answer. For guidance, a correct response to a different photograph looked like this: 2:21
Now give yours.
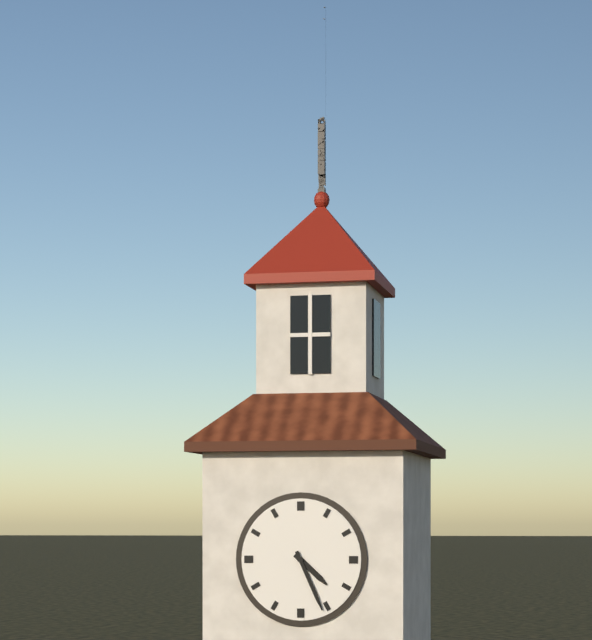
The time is 4:26
